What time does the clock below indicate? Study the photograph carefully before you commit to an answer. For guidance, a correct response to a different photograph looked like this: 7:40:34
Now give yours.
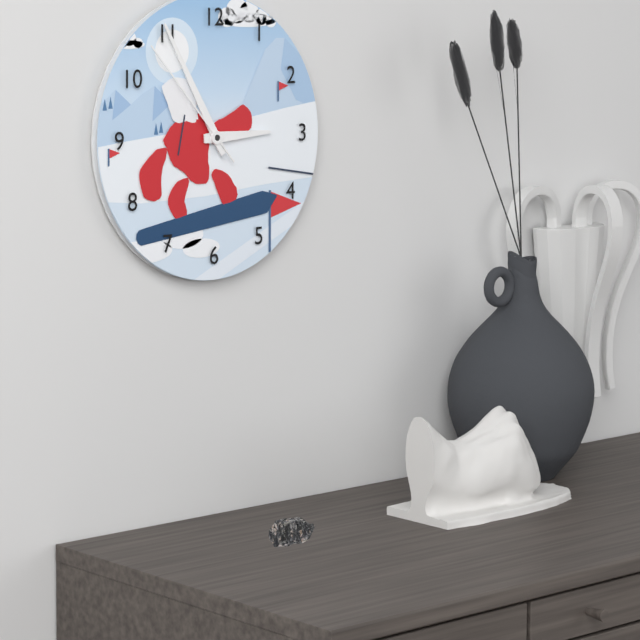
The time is 2:55:53
